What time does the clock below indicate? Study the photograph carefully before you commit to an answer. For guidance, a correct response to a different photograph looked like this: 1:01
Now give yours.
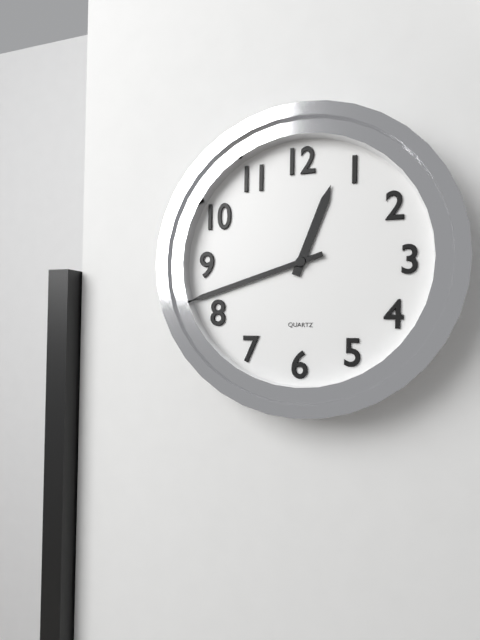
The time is 12:42
